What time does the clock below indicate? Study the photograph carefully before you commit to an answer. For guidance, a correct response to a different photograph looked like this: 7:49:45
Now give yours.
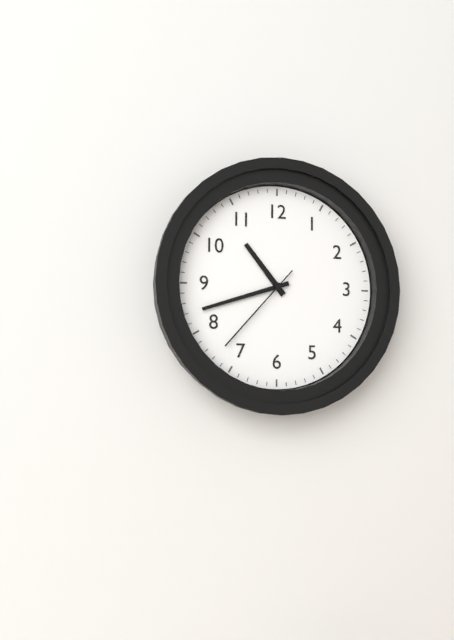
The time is 10:42:37
